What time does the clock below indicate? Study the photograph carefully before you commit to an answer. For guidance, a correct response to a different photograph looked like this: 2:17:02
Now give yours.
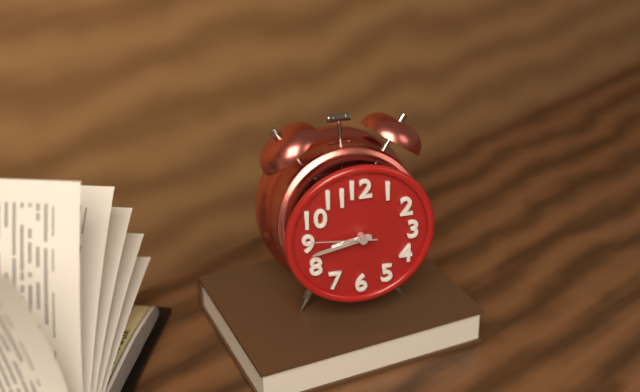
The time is 8:43:46
